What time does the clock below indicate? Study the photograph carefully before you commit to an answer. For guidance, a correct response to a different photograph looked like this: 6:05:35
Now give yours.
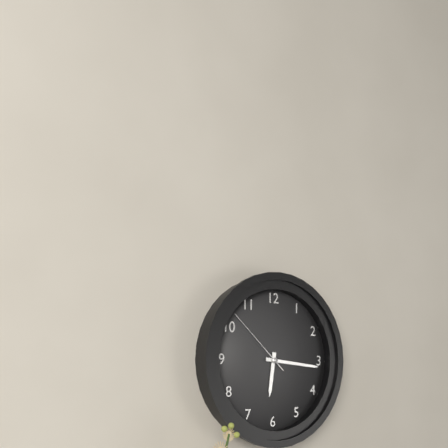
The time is 6:16:52
